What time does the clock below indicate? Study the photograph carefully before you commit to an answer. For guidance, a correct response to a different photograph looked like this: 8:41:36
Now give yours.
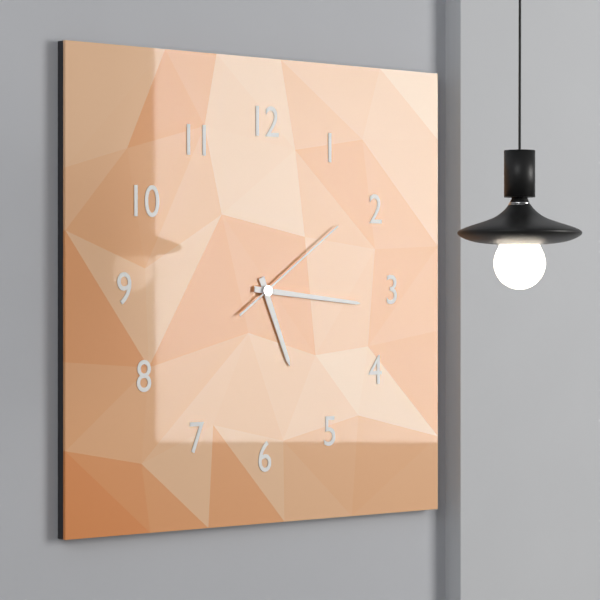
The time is 5:16:09
